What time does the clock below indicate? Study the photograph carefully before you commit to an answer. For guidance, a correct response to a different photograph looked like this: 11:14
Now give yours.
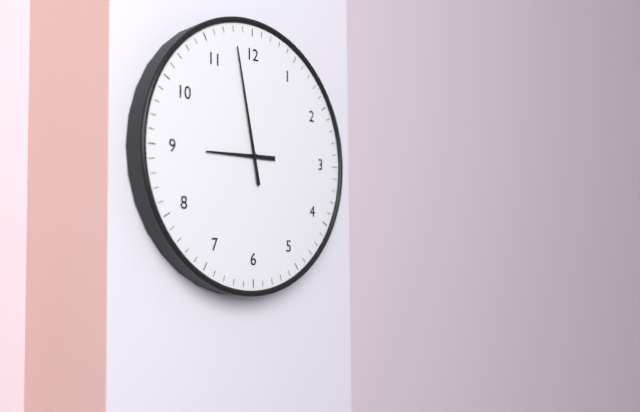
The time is 8:58
